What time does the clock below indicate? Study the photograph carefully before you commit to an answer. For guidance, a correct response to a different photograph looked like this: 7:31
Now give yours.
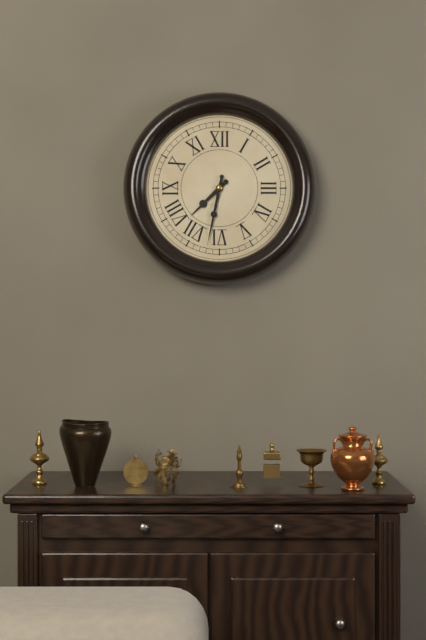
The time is 7:32
